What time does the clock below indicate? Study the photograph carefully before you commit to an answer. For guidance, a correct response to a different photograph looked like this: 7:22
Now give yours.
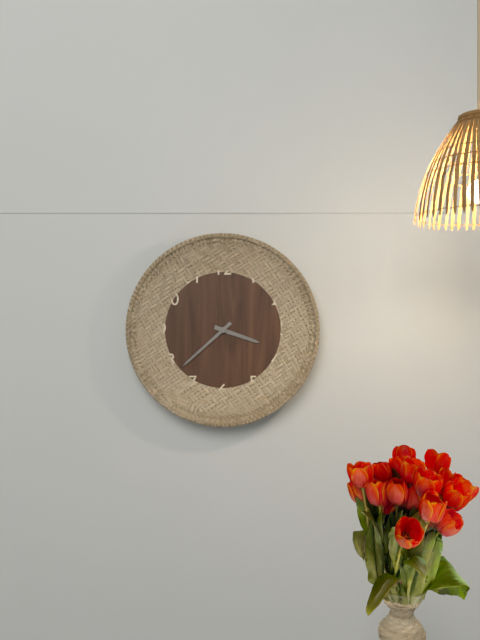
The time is 3:38
